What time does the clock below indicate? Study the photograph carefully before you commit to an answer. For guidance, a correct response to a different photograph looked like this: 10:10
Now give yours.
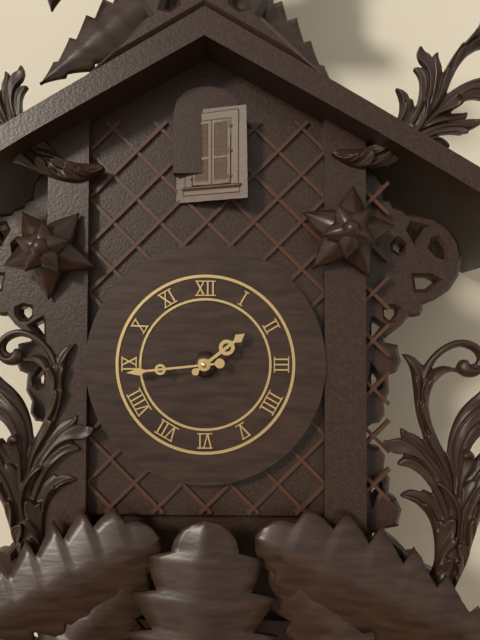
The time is 1:44
